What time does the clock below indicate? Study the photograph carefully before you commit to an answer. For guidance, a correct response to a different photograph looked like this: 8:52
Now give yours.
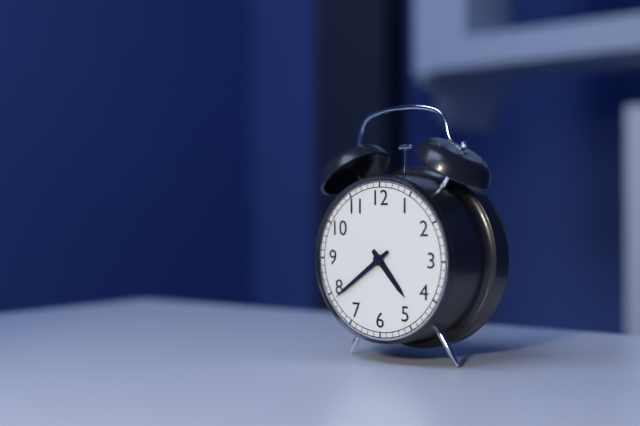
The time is 4:39
